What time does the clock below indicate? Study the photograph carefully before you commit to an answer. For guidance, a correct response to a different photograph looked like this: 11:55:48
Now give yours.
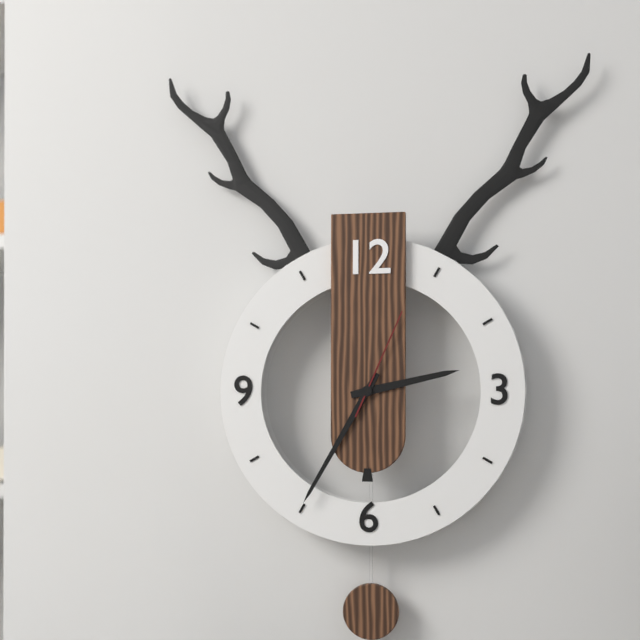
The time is 2:35:04
